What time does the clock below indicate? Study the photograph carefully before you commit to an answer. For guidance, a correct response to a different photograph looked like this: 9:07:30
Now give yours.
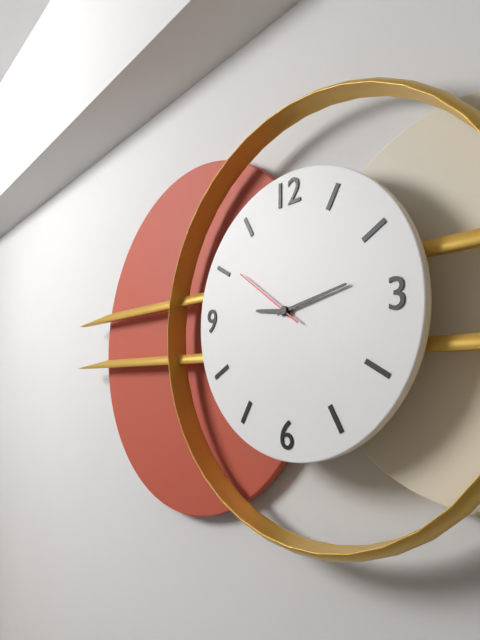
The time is 9:13:51
